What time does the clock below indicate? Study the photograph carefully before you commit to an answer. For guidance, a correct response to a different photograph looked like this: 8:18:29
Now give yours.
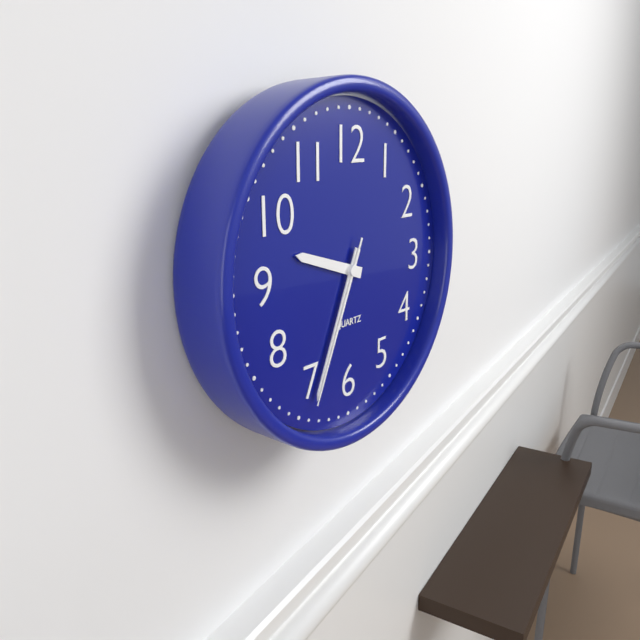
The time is 9:34:34
